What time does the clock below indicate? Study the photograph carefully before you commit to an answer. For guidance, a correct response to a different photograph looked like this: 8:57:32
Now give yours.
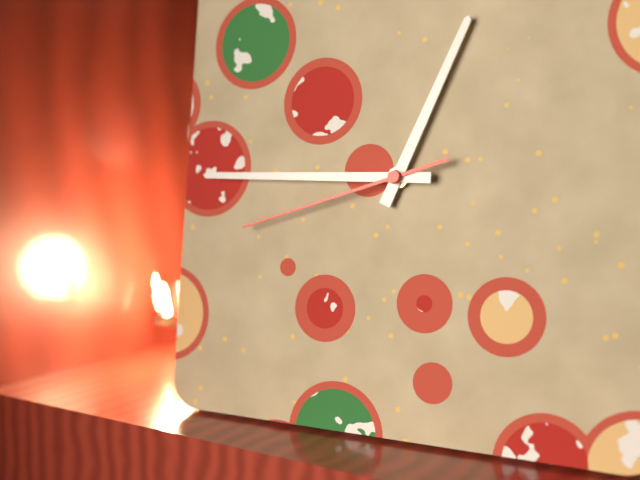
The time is 12:45:42
